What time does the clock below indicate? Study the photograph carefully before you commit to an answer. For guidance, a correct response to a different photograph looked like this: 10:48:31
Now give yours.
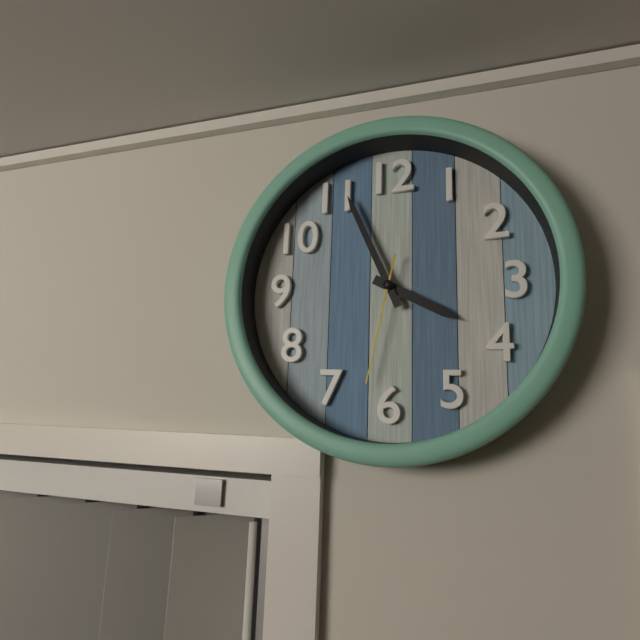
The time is 3:56:32
